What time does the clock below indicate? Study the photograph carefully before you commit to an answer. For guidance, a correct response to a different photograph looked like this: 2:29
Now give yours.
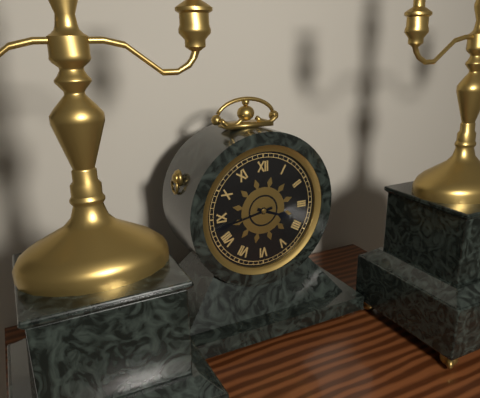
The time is 3:43
